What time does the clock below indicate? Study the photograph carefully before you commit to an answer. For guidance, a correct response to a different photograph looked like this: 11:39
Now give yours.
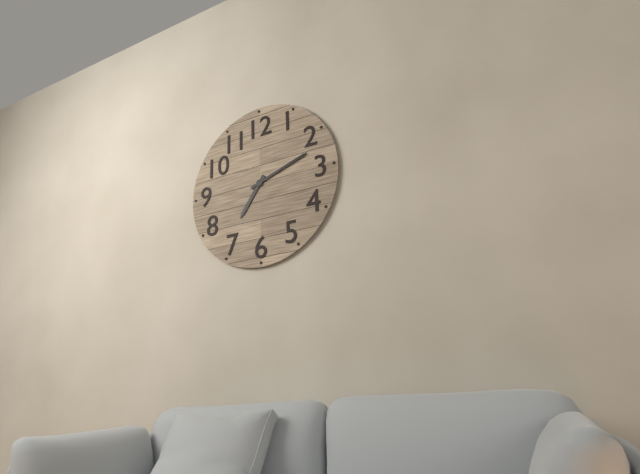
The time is 7:12
